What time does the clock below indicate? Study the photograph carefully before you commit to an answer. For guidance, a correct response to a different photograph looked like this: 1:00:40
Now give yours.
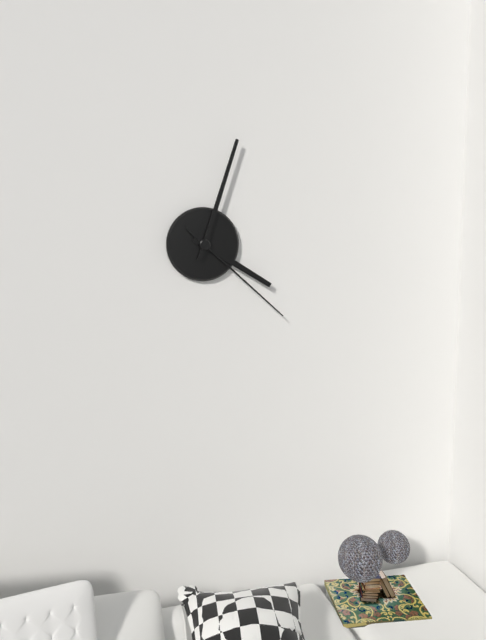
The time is 4:03:22
